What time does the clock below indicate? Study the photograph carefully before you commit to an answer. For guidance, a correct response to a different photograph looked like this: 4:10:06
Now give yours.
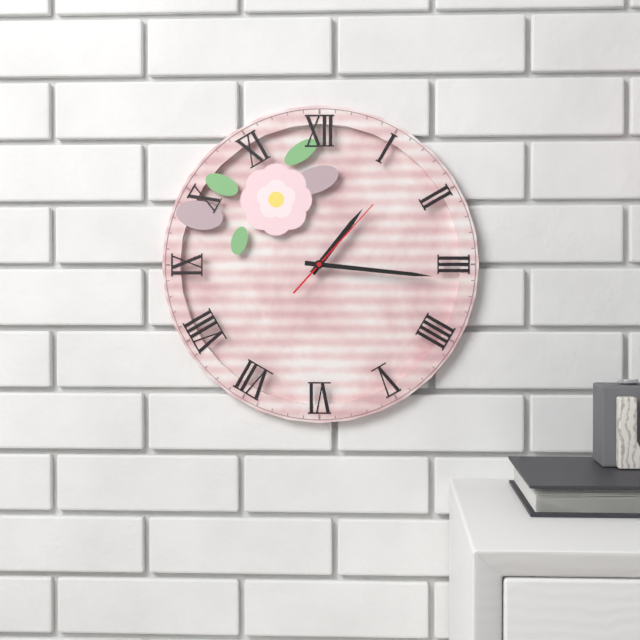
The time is 1:16:07
